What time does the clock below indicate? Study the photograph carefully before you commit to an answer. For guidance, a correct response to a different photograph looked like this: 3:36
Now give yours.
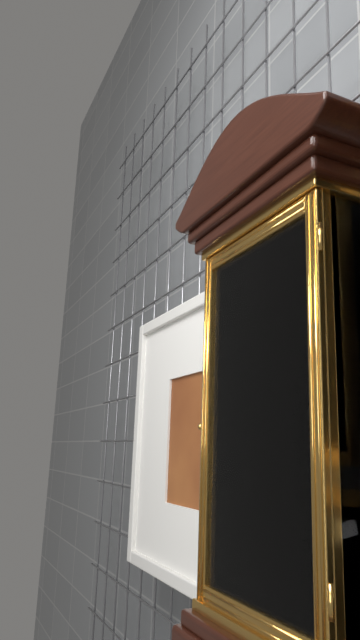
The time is 4:20
